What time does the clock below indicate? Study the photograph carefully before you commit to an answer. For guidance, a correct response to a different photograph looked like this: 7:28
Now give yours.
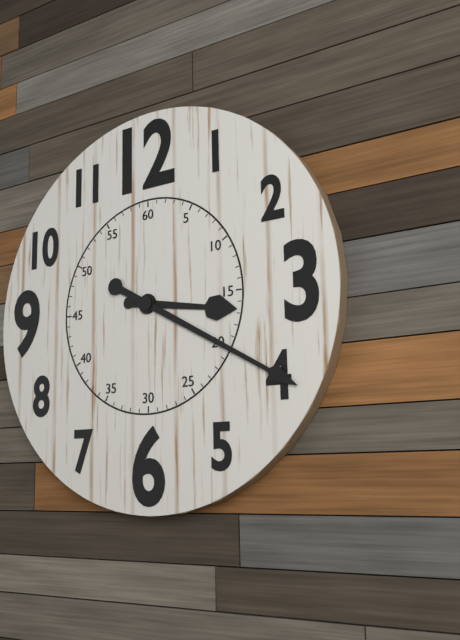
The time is 3:20
